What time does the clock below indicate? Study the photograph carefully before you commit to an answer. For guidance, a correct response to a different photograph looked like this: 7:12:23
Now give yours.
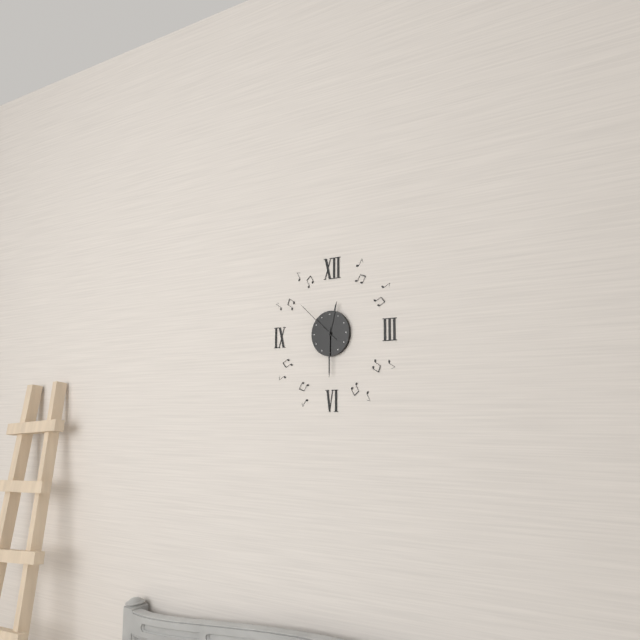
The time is 12:30:52
